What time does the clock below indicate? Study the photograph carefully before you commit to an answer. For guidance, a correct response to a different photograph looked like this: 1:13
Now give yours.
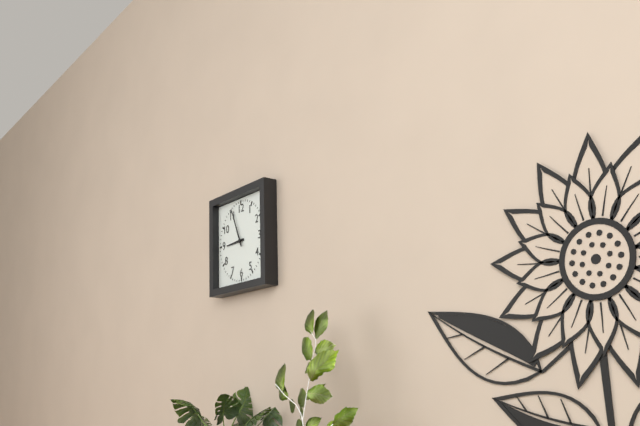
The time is 8:56
